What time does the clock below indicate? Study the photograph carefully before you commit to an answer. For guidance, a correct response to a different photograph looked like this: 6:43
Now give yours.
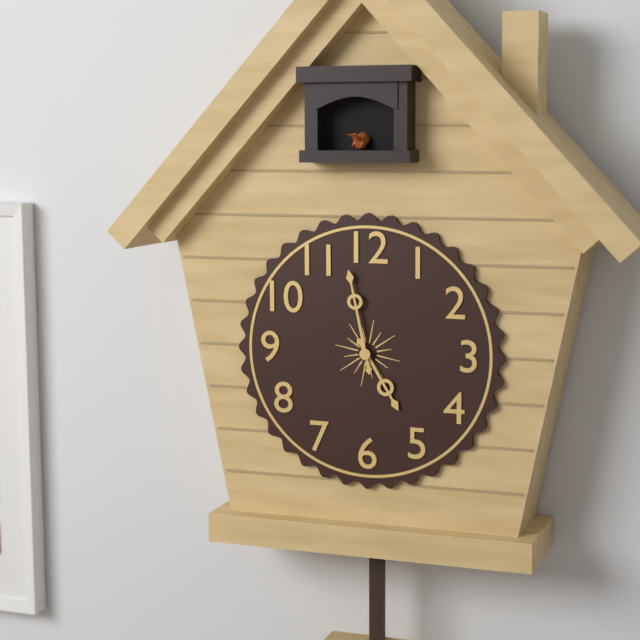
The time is 4:58
